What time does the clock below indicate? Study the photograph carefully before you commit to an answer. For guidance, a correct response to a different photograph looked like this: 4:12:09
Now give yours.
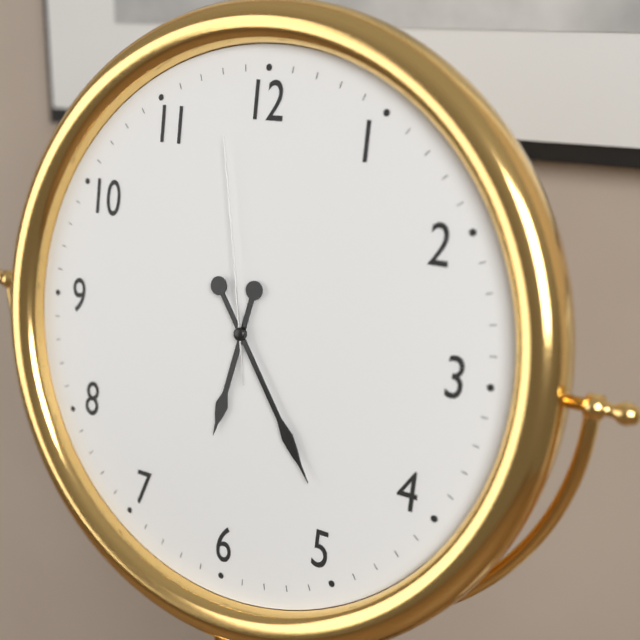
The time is 6:24:58
